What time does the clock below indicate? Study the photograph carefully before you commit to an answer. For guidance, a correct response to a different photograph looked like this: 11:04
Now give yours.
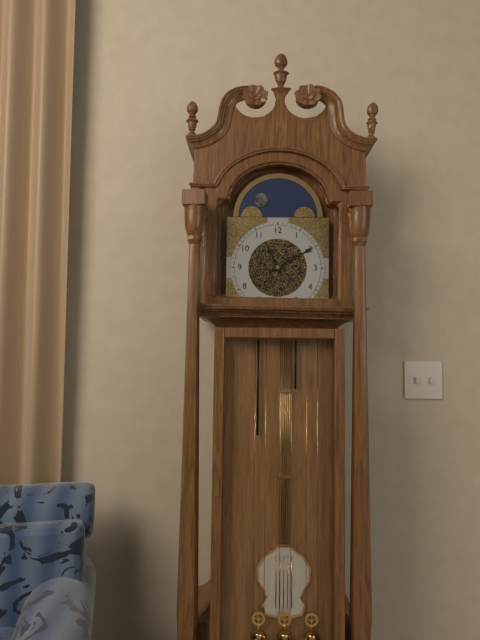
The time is 11:10
